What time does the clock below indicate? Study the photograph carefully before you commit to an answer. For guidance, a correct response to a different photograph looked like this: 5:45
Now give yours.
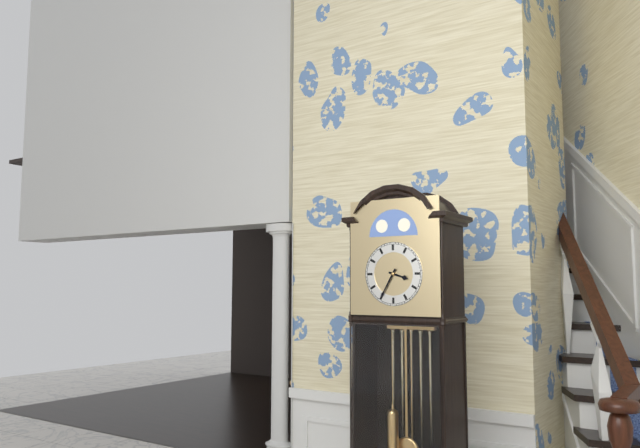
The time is 3:35
